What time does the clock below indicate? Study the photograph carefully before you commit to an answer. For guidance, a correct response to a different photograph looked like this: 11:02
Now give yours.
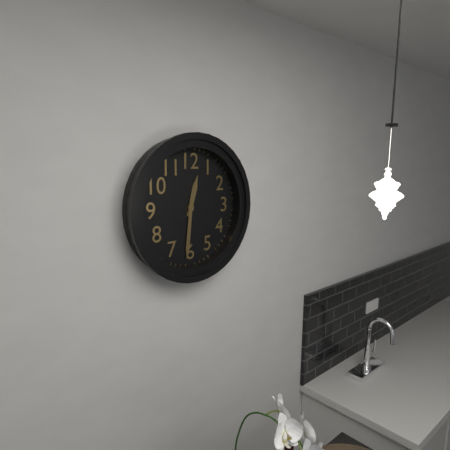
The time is 12:31
